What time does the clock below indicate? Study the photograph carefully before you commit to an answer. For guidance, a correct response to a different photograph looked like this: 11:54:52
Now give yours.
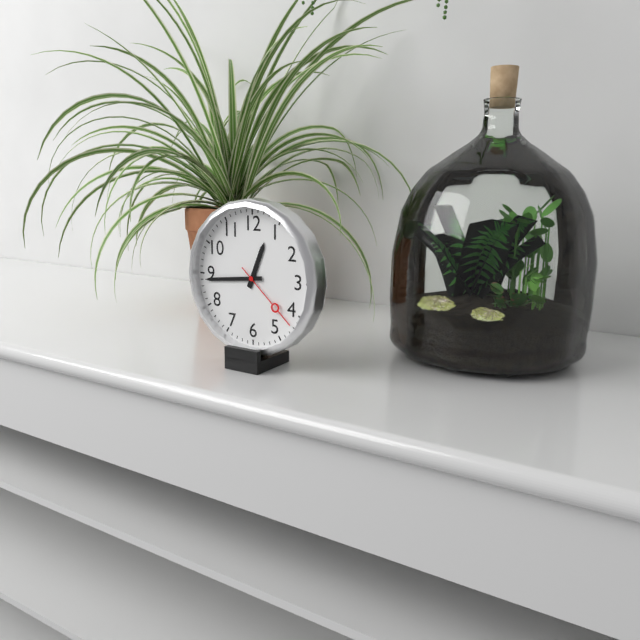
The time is 12:44:22
